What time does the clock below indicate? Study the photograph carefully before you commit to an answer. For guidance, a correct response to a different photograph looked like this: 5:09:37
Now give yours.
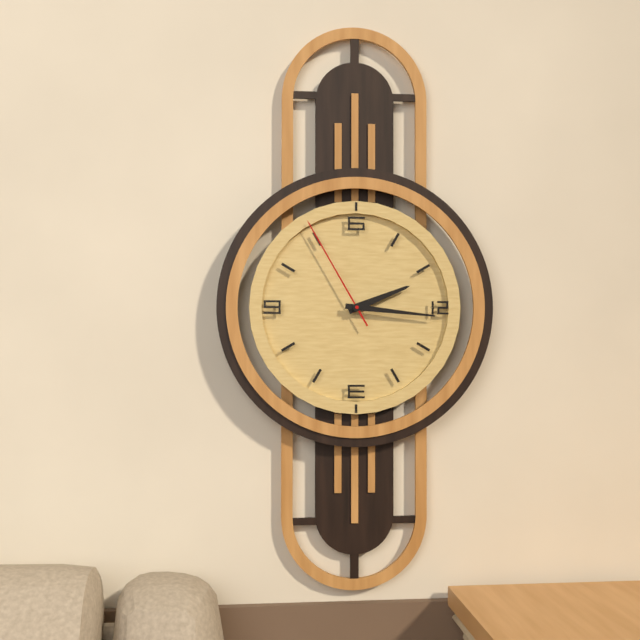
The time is 2:16:55
